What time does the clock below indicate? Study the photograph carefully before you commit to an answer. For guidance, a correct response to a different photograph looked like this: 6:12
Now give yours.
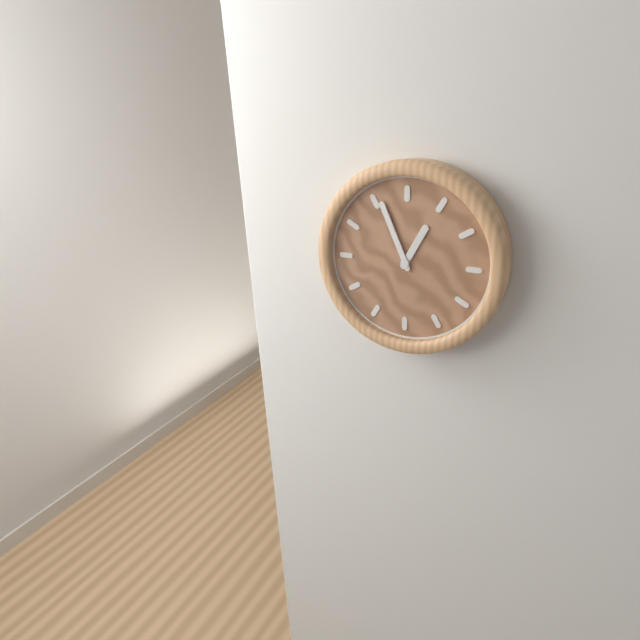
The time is 12:56
